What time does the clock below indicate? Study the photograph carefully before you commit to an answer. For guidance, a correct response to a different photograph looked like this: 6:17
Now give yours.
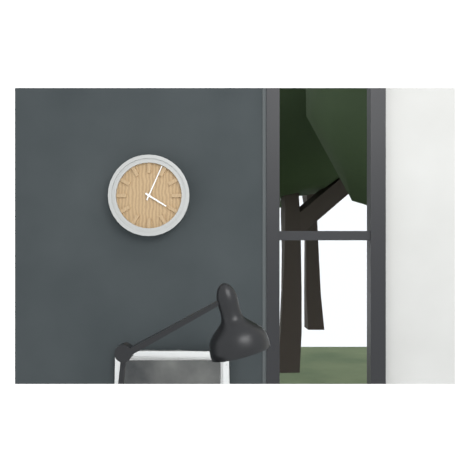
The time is 4:04
